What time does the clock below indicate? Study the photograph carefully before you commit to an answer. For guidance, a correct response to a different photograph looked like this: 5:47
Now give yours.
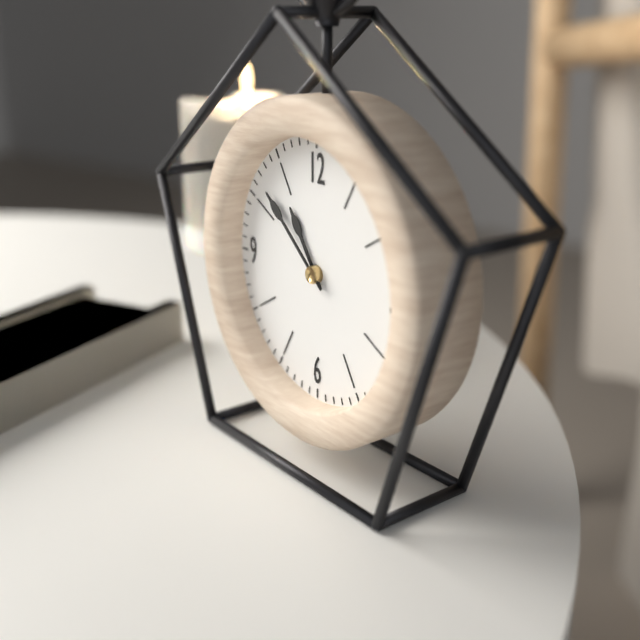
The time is 10:52
